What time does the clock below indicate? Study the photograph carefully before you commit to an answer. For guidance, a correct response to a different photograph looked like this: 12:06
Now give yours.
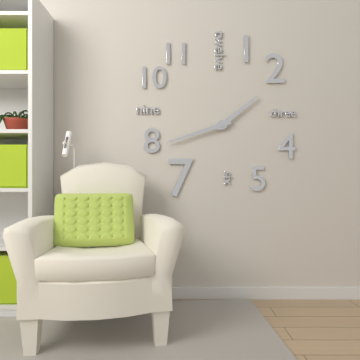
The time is 1:42
